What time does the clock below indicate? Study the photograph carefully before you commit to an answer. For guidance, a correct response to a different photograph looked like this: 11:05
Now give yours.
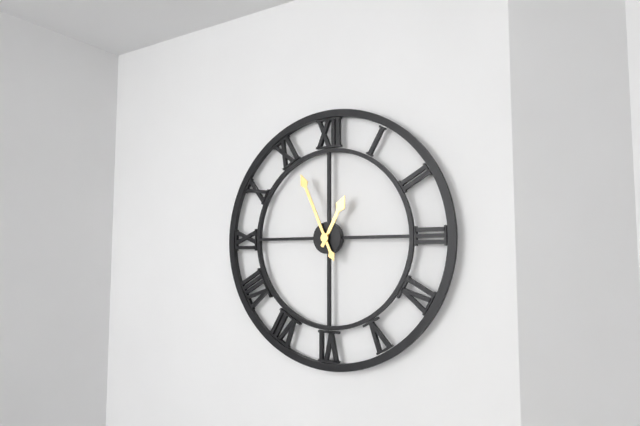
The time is 12:56
